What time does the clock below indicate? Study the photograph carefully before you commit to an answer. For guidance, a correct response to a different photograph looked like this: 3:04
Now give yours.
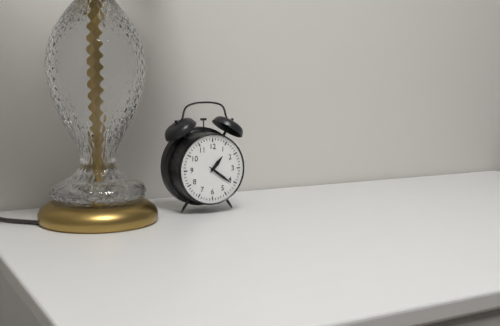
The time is 1:21
